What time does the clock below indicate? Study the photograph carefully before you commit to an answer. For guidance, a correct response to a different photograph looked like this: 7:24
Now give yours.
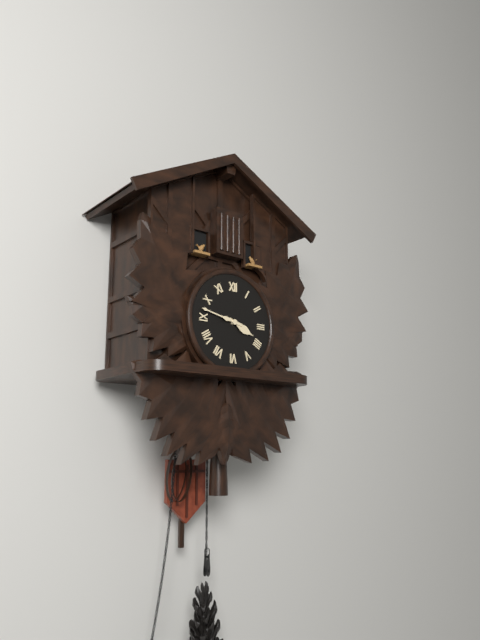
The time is 3:47
